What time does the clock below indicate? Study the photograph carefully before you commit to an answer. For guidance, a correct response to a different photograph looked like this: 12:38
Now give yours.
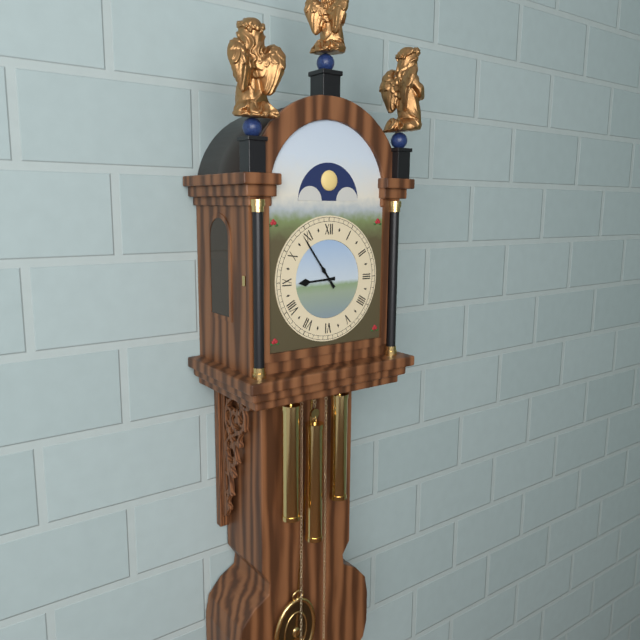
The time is 8:54
